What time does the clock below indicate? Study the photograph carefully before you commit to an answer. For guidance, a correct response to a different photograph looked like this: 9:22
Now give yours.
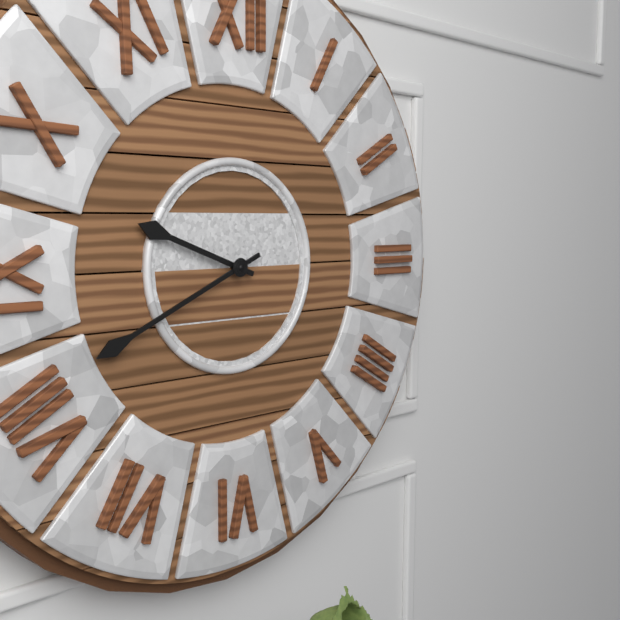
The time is 9:41
